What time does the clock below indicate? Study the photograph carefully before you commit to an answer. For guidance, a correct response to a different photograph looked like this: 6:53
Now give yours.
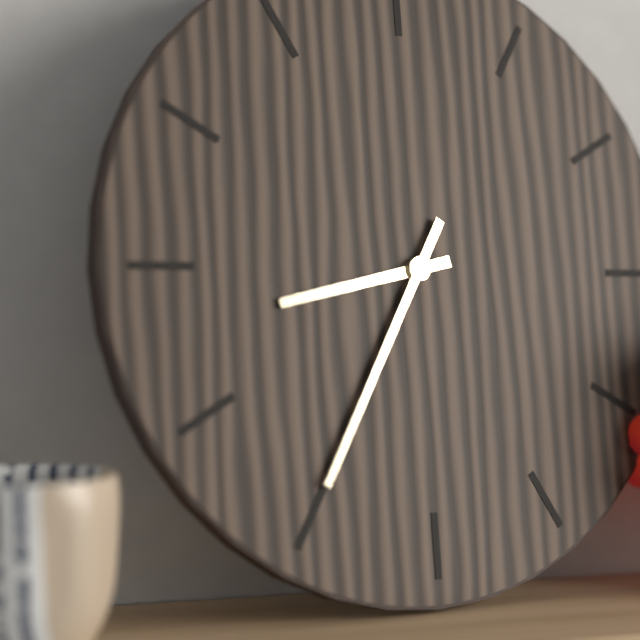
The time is 8:35
